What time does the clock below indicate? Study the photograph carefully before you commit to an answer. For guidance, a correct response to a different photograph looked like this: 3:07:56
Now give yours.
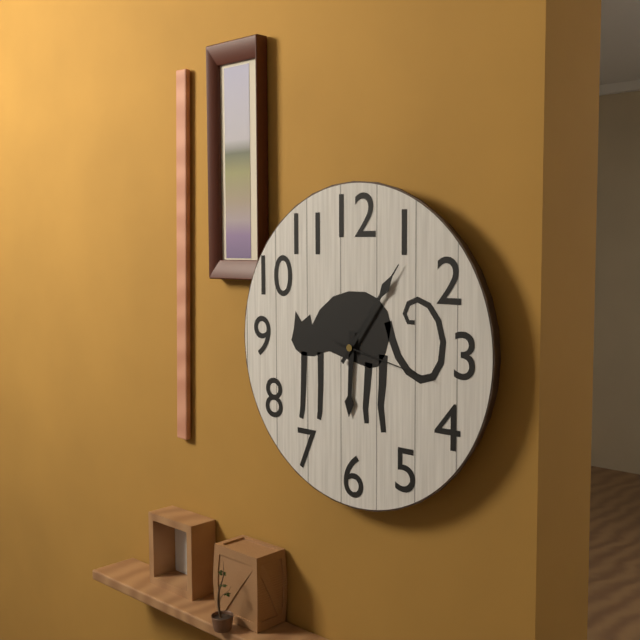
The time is 6:06:17
